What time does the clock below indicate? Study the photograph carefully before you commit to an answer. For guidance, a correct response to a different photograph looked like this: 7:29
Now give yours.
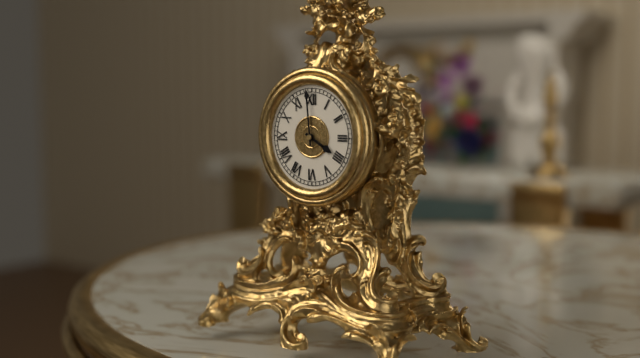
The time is 3:59
